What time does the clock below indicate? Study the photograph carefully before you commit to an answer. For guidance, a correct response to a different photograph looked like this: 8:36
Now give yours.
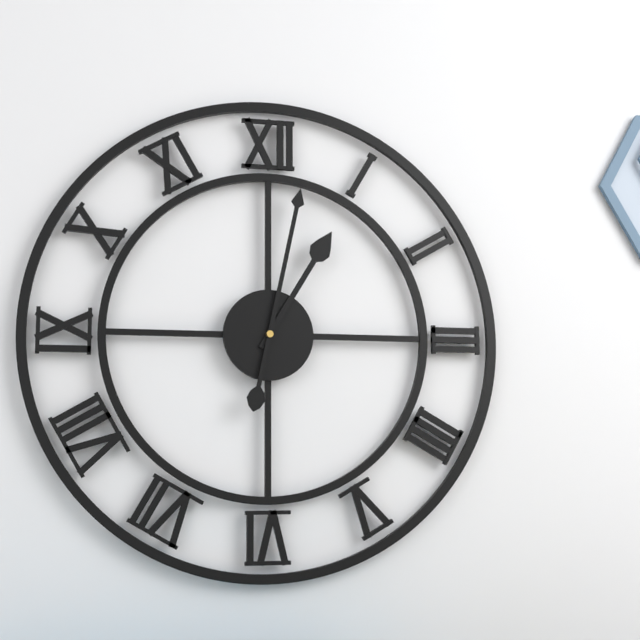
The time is 1:02
